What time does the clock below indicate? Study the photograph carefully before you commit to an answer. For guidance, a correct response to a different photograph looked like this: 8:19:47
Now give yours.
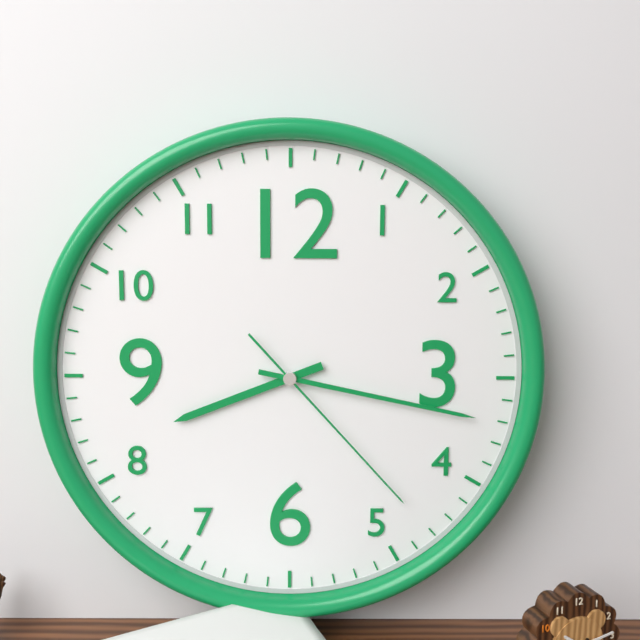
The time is 8:17:23
